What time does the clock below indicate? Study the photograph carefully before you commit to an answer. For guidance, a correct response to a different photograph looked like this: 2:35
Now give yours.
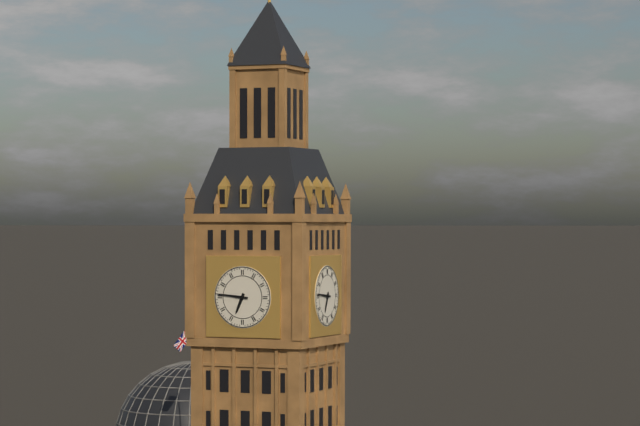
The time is 6:46
